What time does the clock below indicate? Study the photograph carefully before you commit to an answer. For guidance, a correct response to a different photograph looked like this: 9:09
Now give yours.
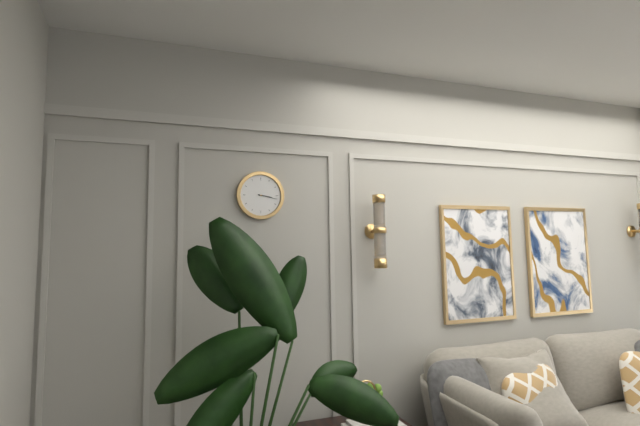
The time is 3:17
